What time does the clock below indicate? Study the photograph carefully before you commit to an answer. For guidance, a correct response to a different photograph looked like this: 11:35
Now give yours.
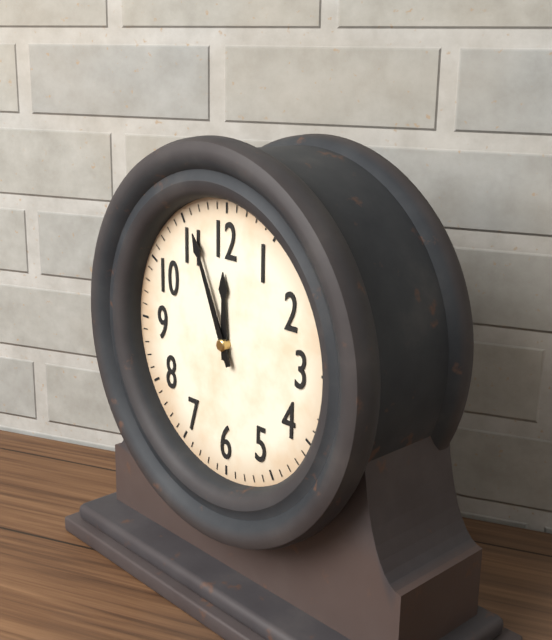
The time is 11:56
